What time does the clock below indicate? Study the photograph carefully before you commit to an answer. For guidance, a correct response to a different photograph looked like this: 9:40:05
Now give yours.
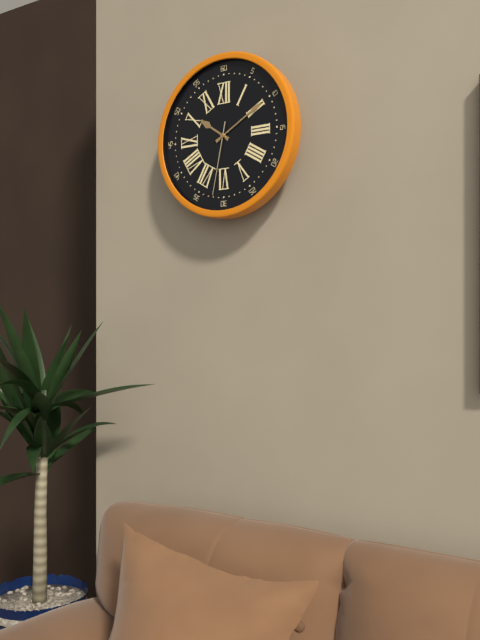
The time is 10:10:32
